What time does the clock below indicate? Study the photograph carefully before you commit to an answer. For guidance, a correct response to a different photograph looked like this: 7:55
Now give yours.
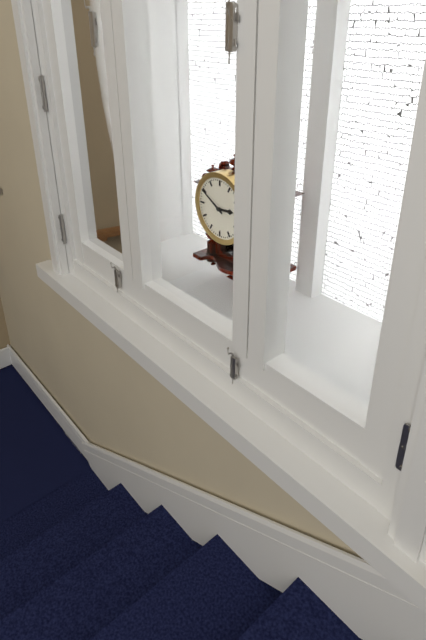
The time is 2:50
